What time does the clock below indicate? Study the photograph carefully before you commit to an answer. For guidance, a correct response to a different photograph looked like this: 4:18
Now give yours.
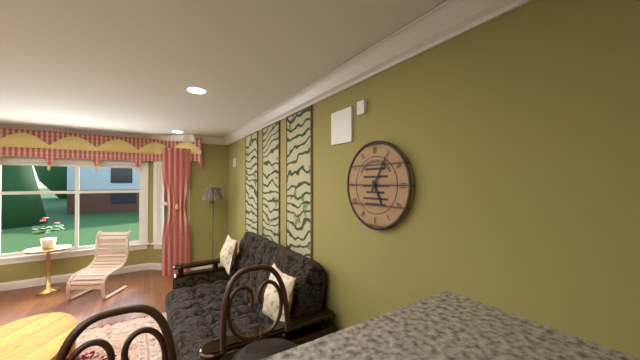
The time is 5:05
